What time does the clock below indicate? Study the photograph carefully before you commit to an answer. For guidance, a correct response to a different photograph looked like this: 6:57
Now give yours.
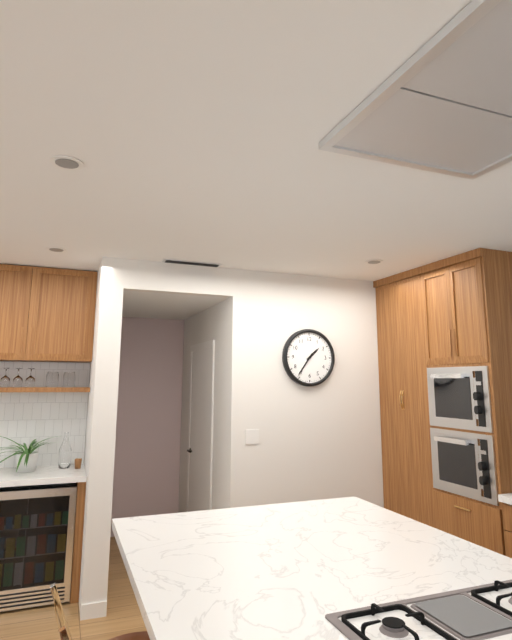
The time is 1:36
